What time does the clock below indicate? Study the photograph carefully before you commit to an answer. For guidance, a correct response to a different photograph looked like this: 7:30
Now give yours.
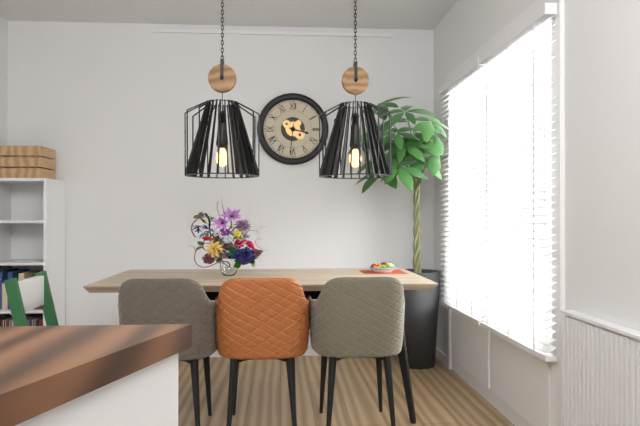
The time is 3:31
